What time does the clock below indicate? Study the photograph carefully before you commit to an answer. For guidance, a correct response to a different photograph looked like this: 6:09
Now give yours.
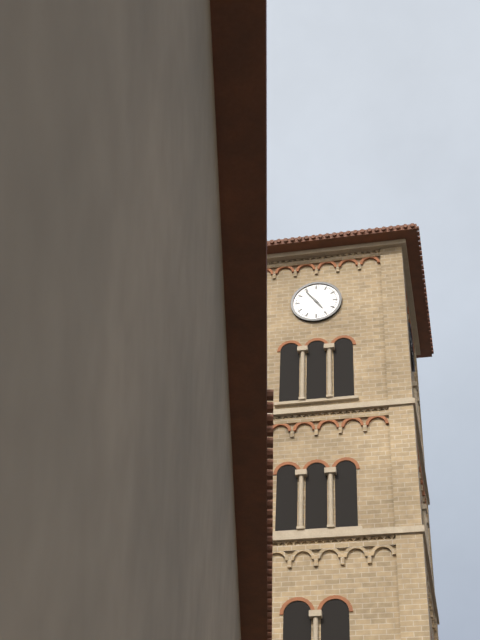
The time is 4:54
